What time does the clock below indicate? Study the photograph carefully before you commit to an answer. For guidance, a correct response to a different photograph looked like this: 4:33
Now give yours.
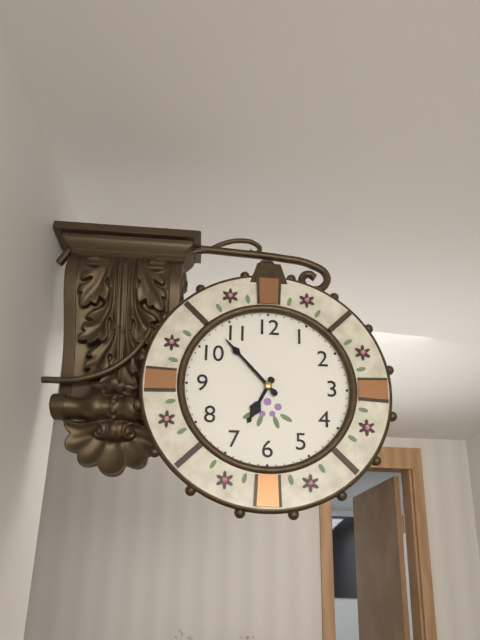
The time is 6:53
